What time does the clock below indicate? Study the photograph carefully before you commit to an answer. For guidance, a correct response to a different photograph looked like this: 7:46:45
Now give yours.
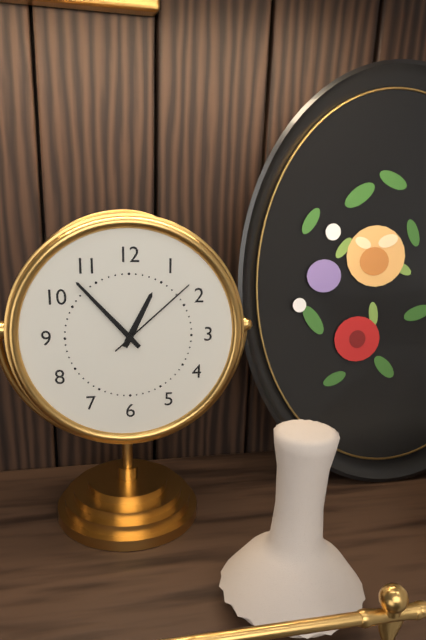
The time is 12:53:08
